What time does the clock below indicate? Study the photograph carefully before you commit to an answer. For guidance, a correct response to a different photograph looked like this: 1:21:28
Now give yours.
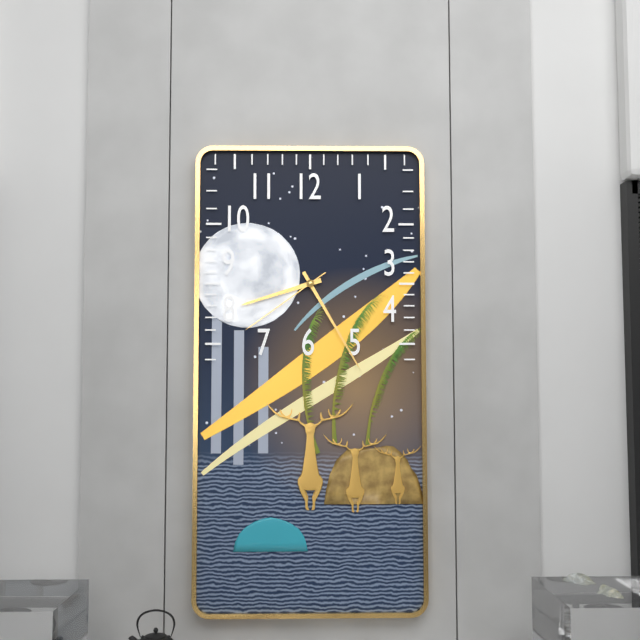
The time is 8:25:39
